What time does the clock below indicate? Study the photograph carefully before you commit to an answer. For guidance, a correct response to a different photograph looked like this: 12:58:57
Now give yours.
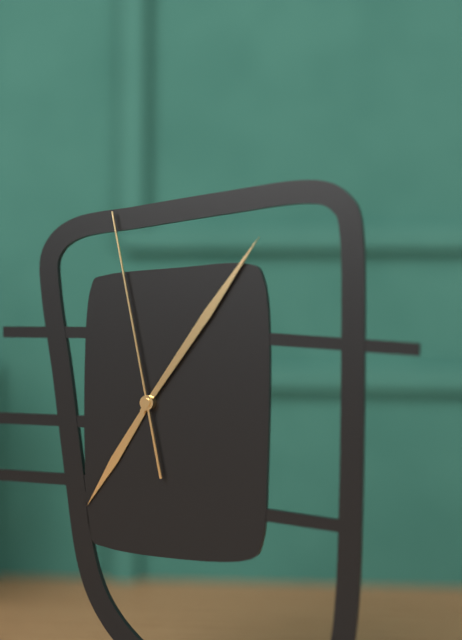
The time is 7:06:58
